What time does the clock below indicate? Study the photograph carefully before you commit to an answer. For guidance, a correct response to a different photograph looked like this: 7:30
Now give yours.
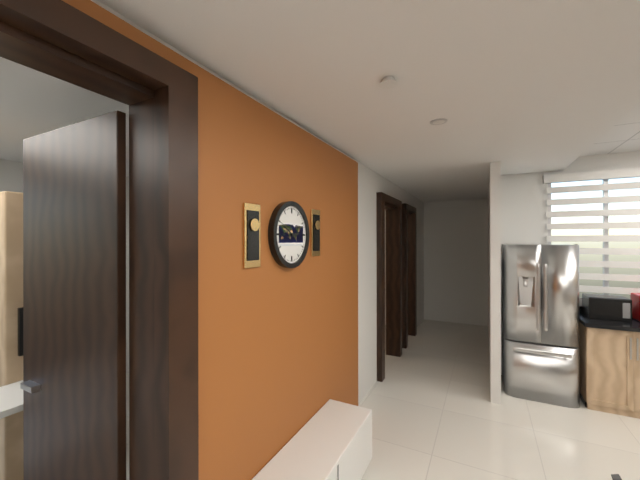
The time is 2:50
